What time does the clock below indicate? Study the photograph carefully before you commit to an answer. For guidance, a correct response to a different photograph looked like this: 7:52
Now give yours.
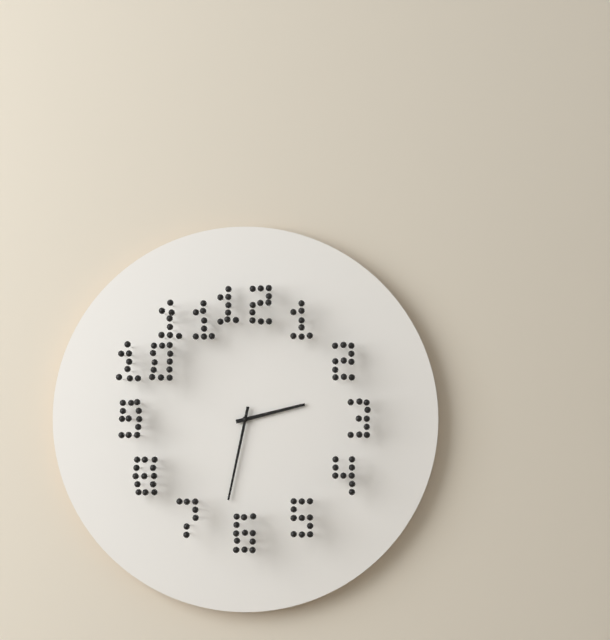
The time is 2:32
